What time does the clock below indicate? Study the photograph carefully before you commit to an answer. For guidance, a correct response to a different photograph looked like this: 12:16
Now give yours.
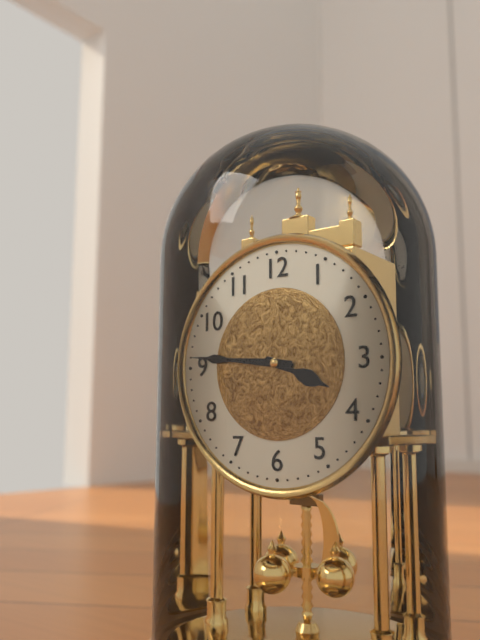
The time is 3:46
